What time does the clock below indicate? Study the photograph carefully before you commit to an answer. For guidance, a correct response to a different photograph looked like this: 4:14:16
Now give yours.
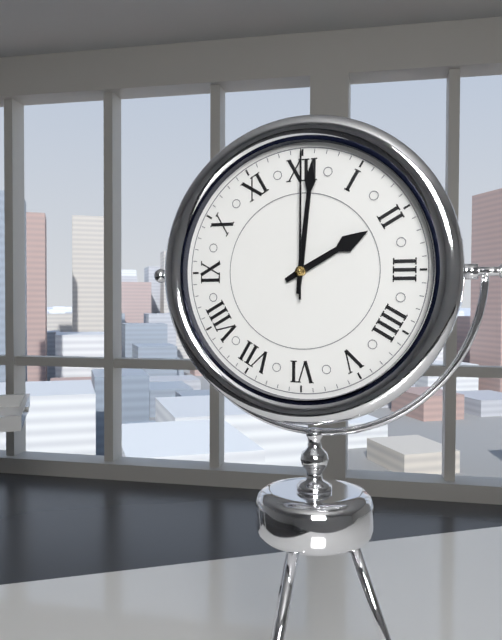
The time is 2:01:00
